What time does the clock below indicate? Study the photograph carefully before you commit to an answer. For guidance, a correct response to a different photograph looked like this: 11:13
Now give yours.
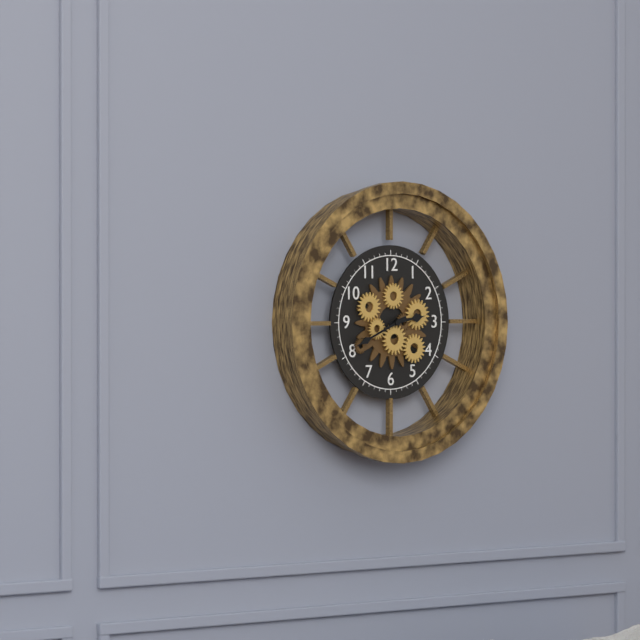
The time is 2:41
